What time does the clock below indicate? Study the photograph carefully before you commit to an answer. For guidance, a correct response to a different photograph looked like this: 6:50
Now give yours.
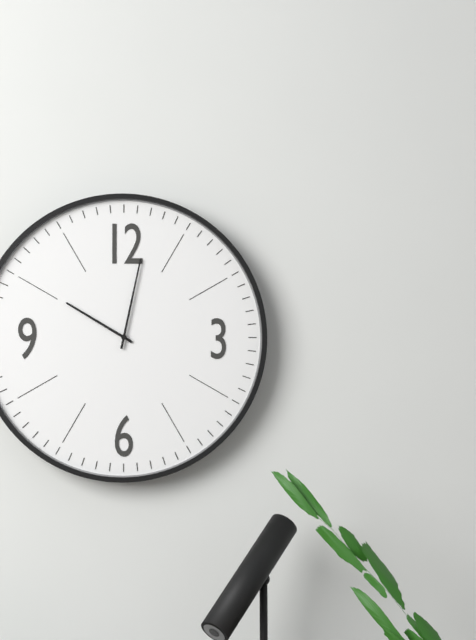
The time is 10:02
